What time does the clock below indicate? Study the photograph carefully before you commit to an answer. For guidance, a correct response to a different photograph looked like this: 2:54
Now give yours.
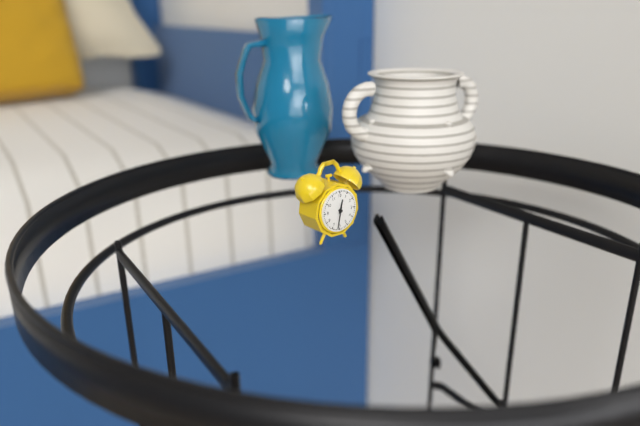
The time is 12:32
